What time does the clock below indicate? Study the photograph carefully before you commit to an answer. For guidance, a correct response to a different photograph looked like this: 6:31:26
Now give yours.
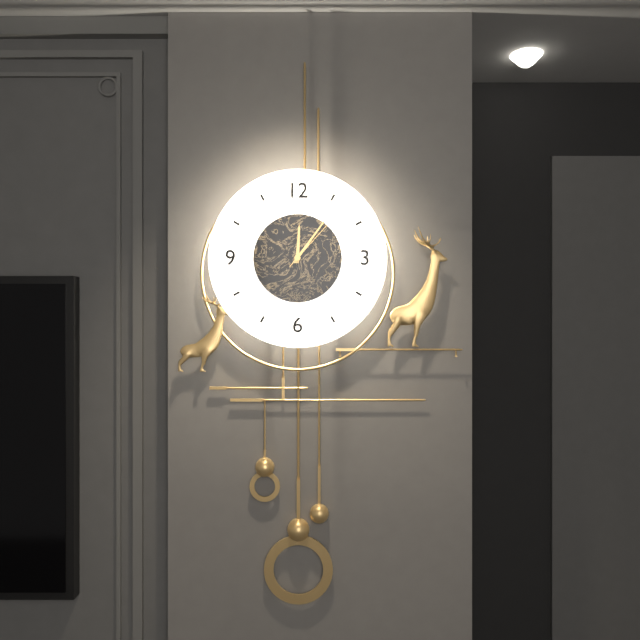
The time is 12:06:07
